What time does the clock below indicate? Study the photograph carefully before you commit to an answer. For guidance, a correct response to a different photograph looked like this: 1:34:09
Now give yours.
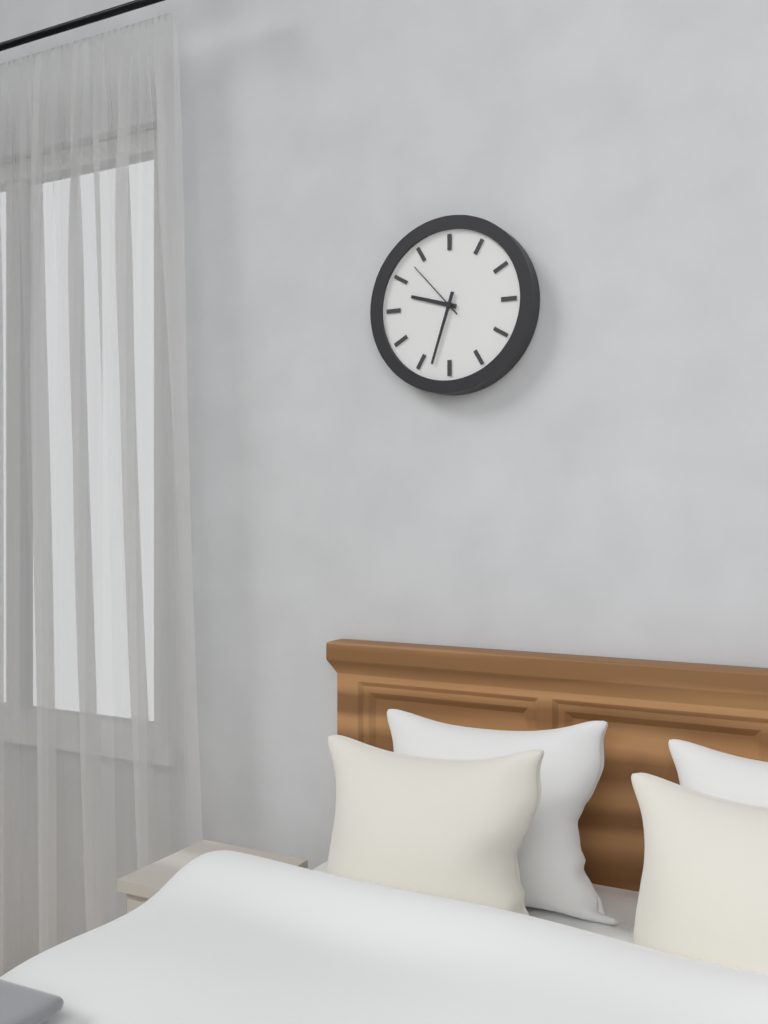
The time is 9:33:53
